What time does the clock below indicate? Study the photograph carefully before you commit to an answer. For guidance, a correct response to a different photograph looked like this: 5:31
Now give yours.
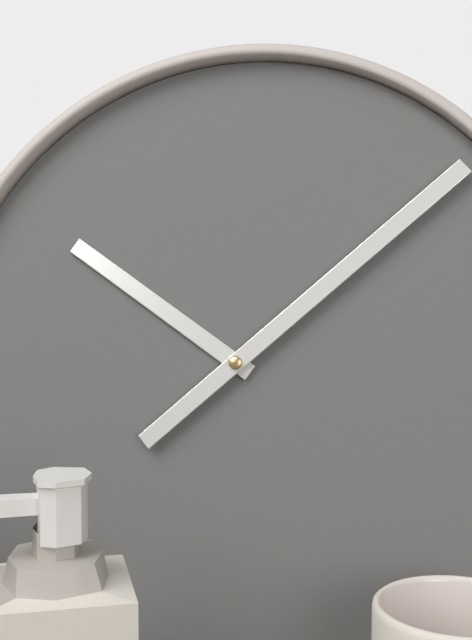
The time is 10:08
